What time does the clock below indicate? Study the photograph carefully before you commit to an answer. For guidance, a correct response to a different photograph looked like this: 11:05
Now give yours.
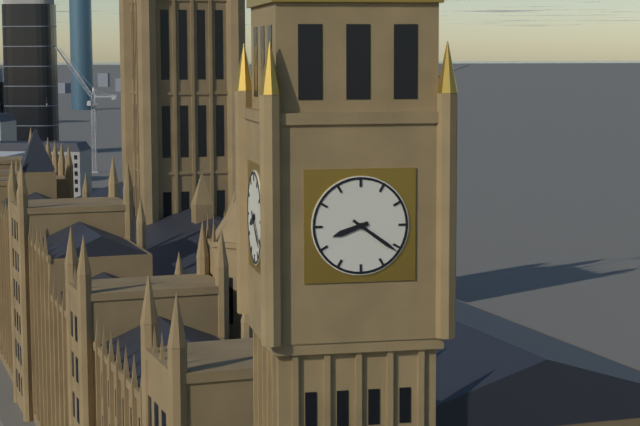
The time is 8:21
